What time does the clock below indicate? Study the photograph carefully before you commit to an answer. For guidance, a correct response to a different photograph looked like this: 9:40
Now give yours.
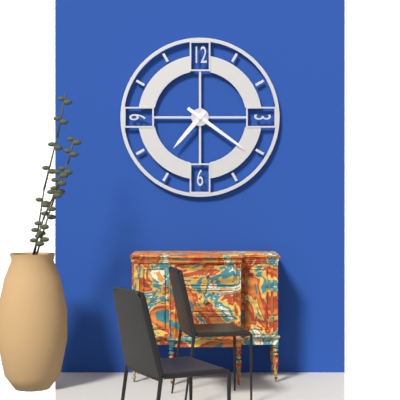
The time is 7:21
